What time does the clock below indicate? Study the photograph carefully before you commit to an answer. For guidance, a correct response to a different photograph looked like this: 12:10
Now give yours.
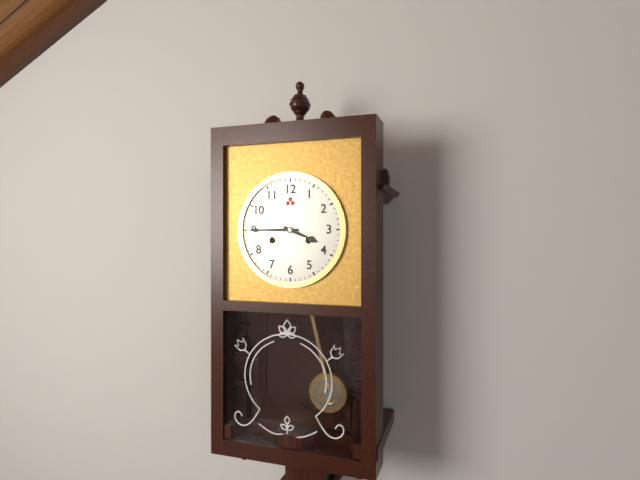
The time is 3:45
